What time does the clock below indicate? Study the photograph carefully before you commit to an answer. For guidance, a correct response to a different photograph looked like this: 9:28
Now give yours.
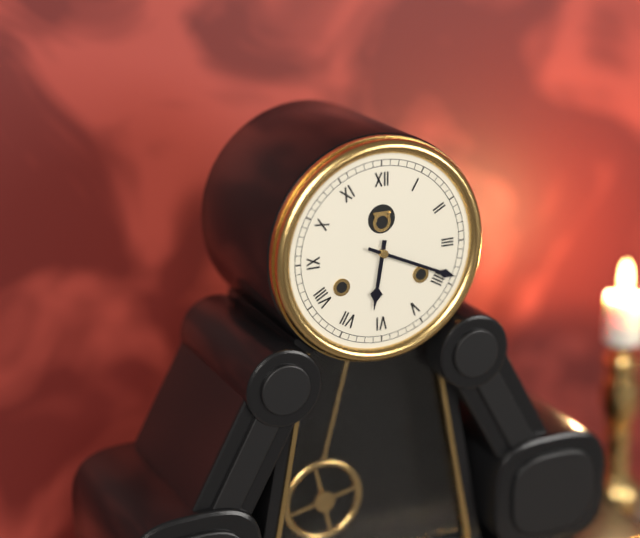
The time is 6:19
